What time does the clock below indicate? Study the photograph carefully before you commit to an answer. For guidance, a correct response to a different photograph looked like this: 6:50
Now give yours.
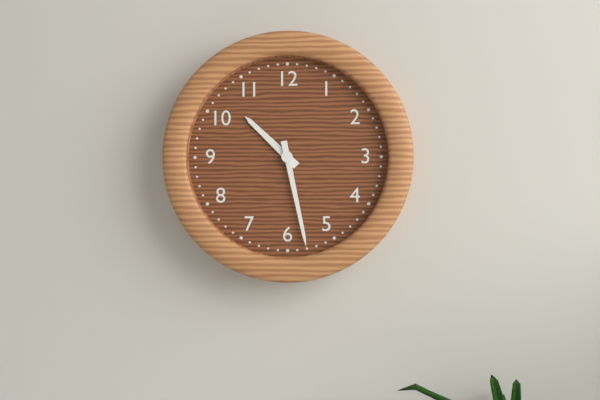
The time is 10:28
